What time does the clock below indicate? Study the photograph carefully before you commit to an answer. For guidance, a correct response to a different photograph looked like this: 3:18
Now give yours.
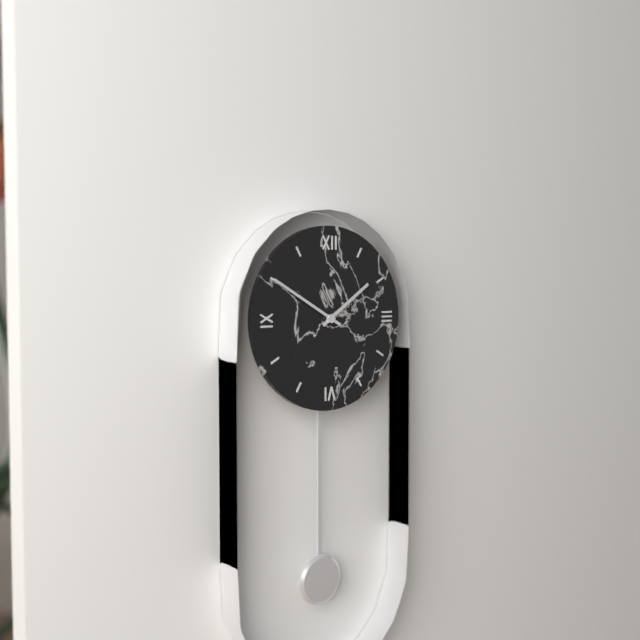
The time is 1:50
